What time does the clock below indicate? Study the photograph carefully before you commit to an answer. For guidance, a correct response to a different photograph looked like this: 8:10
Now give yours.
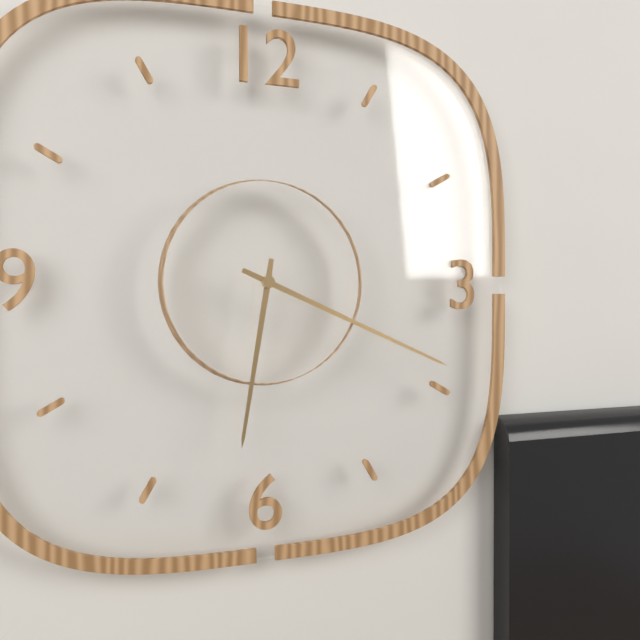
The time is 6:19
